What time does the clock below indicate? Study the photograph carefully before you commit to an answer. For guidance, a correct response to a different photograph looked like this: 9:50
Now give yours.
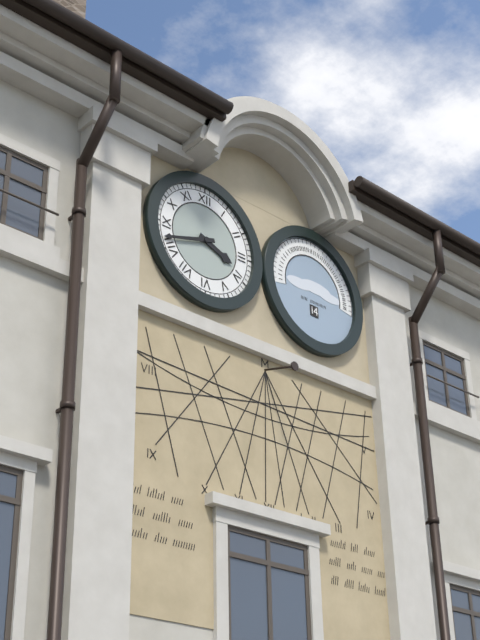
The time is 3:42
